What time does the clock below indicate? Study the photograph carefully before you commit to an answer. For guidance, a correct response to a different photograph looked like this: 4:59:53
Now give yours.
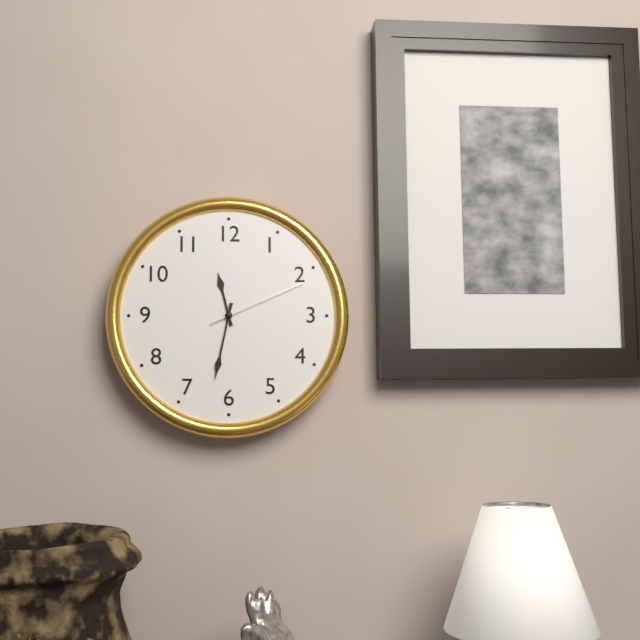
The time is 11:32:11
